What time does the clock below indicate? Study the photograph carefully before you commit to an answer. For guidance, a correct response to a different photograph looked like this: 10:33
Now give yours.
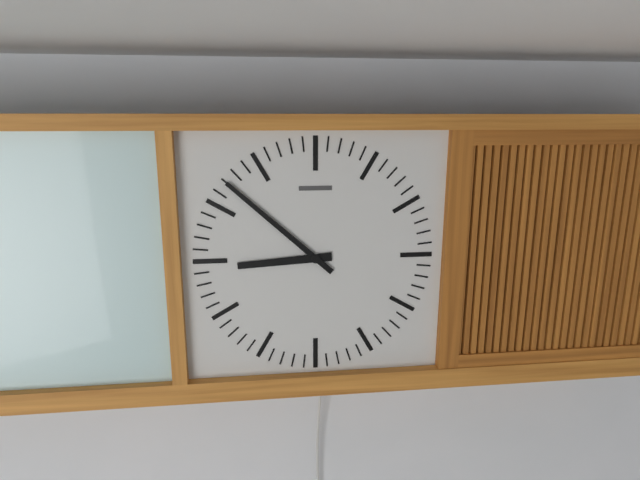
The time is 8:52
